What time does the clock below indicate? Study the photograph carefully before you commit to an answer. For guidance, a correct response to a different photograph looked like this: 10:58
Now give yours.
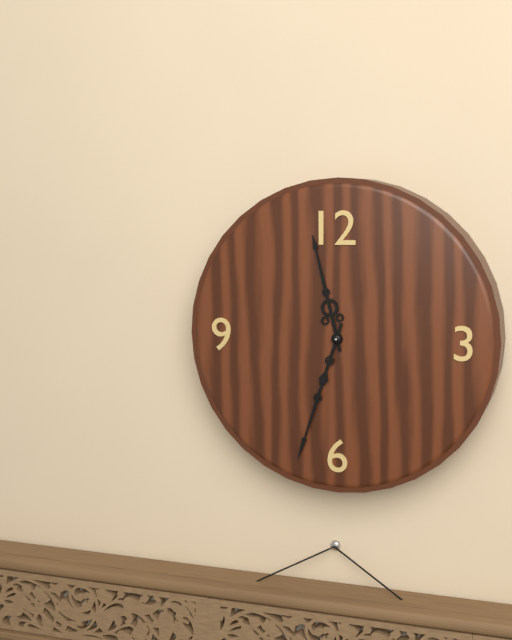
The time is 11:33
